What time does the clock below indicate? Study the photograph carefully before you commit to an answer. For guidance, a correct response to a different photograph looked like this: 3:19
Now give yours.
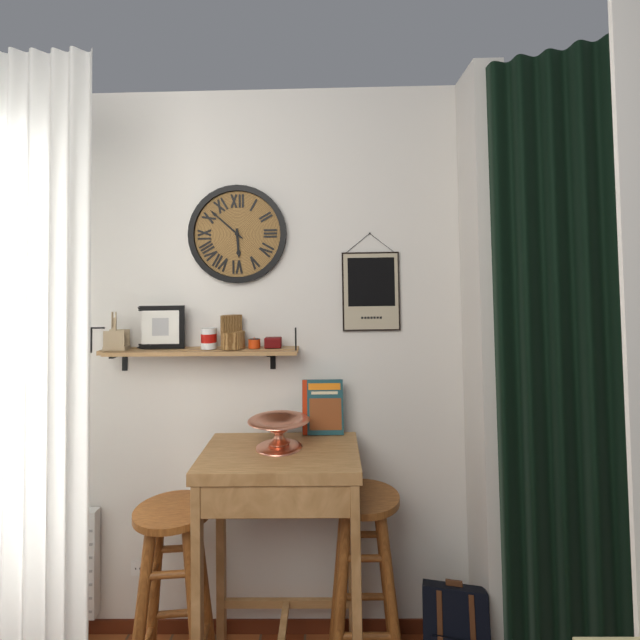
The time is 5:52
